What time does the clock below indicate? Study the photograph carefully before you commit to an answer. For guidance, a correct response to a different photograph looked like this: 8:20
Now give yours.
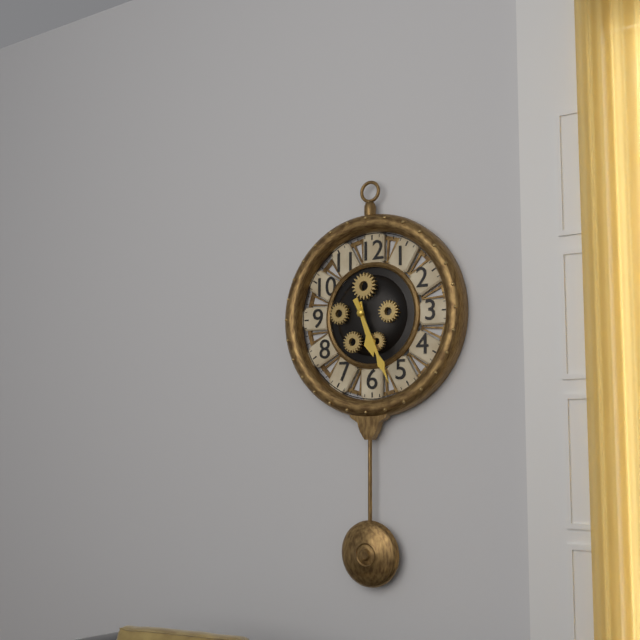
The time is 5:26
